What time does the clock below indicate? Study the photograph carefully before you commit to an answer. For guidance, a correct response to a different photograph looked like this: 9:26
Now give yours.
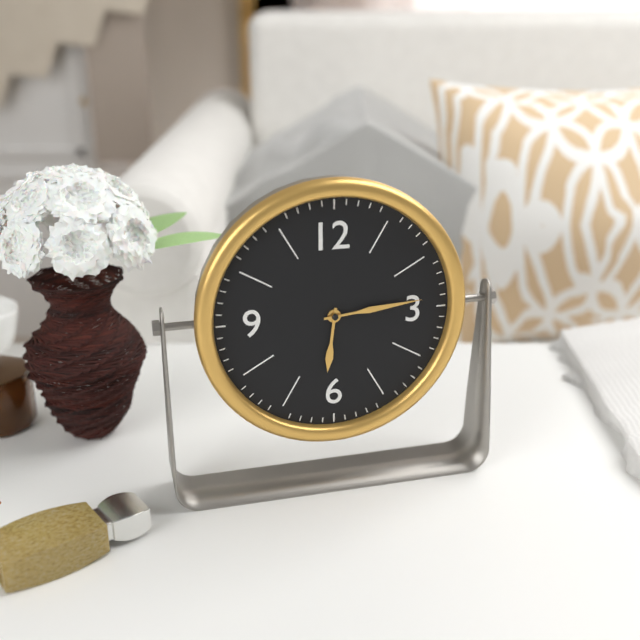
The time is 6:14
